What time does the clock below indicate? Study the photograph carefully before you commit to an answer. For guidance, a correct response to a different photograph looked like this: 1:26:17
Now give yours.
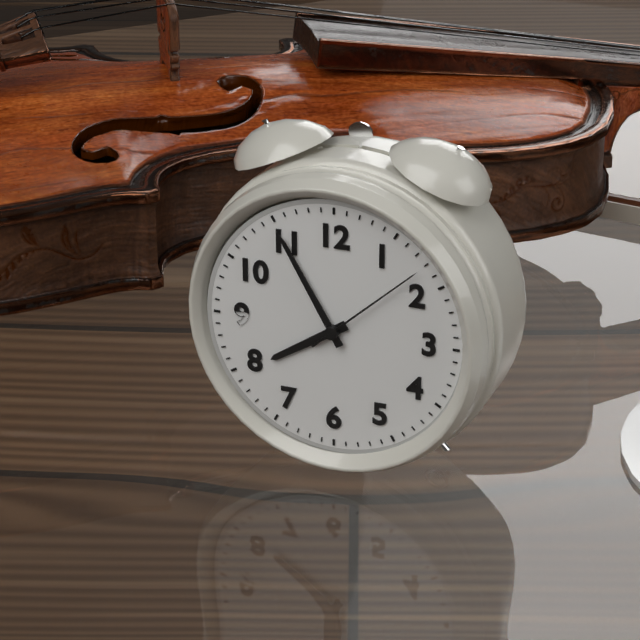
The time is 7:55:08
